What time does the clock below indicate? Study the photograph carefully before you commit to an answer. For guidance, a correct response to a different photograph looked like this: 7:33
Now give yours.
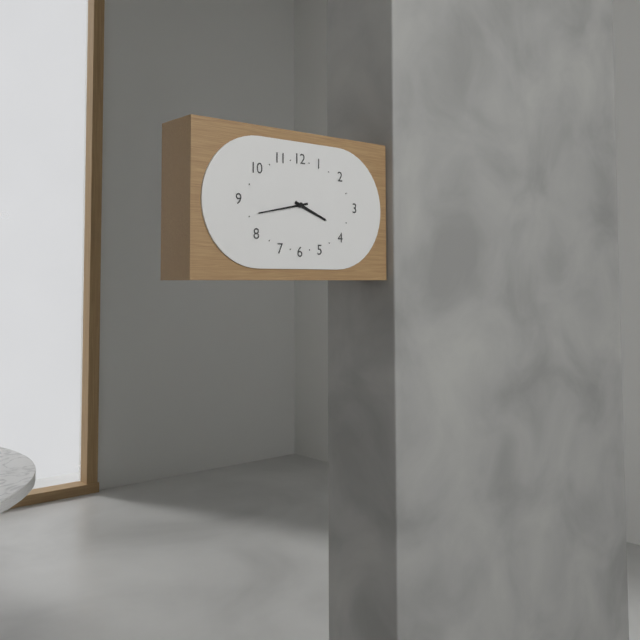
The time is 3:43
